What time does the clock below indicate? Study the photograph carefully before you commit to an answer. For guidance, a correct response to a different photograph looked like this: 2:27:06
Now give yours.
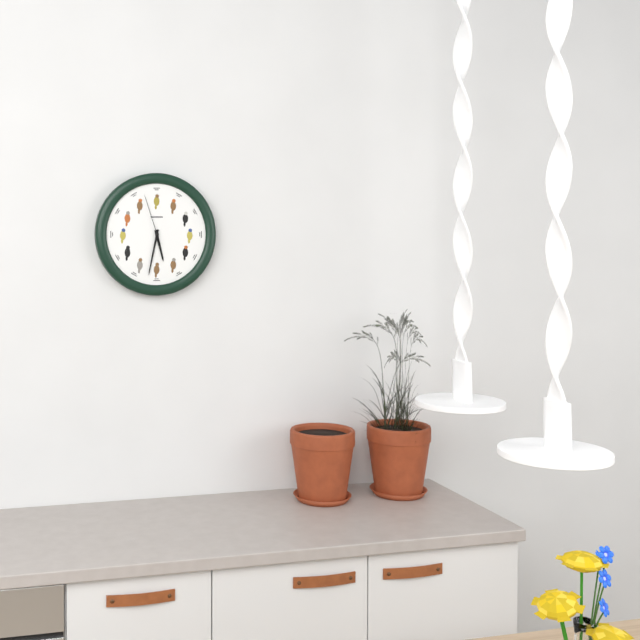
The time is 5:32:57
